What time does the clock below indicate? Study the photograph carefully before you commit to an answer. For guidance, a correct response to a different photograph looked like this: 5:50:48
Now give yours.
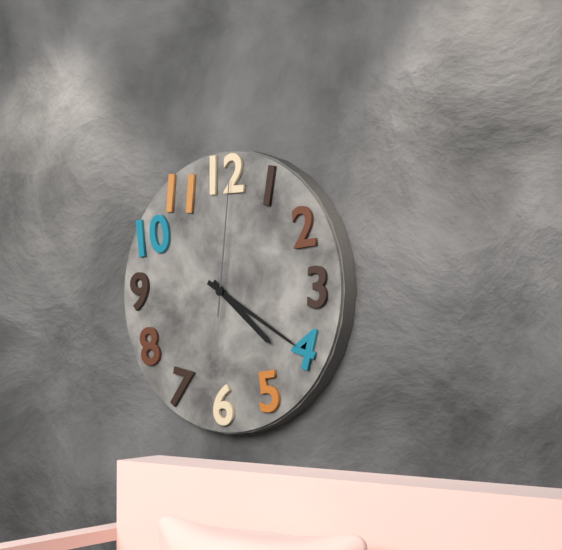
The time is 4:20:01
